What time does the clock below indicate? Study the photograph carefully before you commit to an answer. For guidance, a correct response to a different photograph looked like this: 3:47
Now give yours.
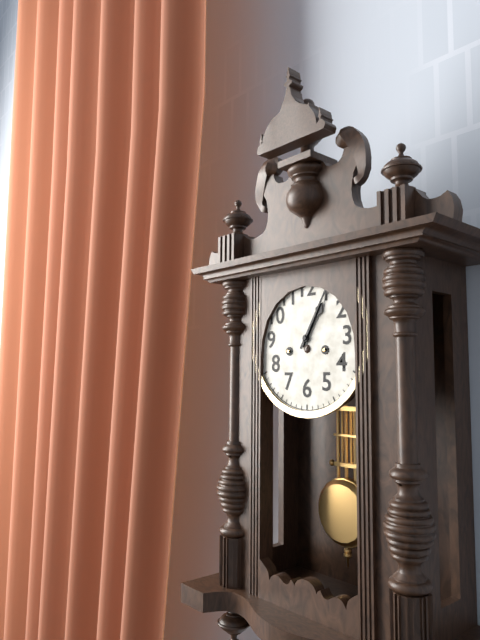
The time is 1:05
